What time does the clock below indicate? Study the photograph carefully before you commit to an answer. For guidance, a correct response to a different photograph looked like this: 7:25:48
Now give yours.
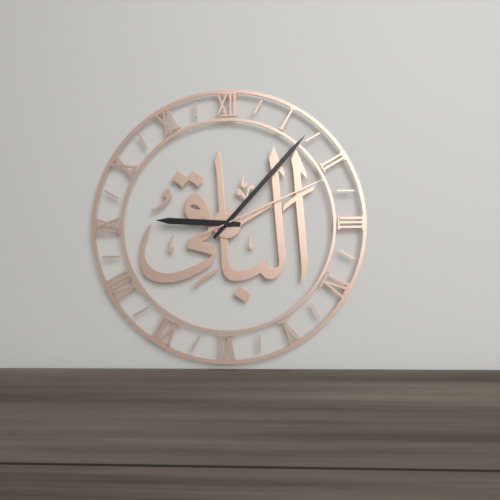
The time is 9:07:11
